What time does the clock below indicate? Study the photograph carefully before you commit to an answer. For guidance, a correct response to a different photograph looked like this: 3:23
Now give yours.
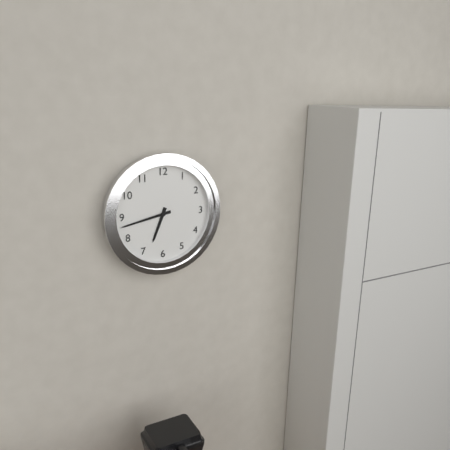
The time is 6:43
